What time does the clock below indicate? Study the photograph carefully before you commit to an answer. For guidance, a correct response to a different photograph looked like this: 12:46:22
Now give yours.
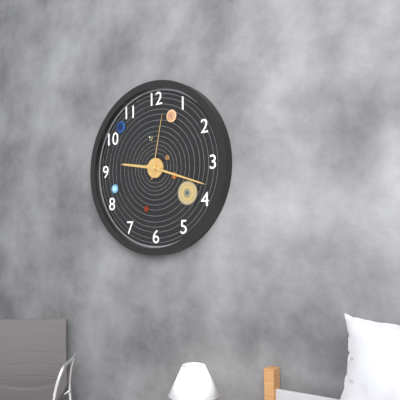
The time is 9:18:02
